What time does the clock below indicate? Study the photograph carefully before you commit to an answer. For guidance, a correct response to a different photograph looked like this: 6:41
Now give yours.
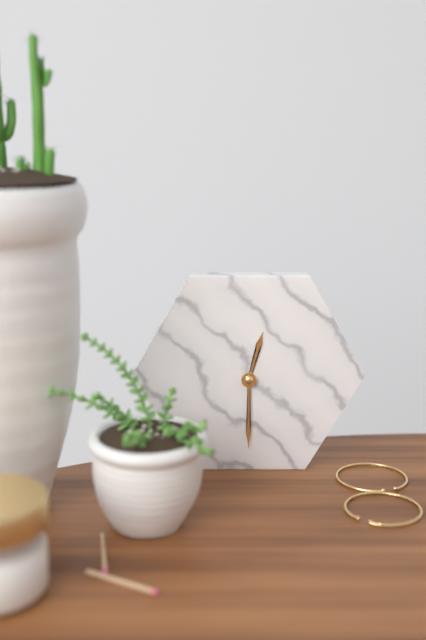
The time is 12:30
